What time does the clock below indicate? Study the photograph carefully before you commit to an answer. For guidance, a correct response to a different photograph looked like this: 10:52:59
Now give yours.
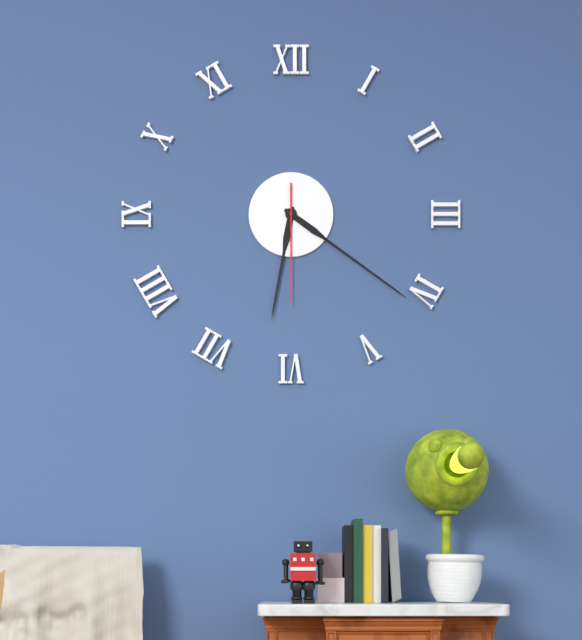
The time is 6:21:30
